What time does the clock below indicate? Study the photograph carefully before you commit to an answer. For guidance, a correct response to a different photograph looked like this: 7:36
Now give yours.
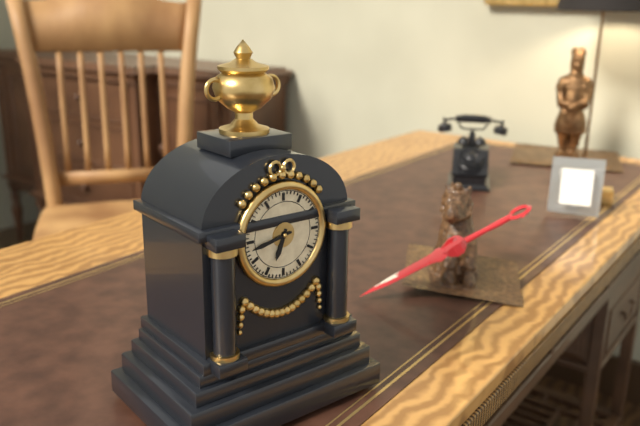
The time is 6:43
